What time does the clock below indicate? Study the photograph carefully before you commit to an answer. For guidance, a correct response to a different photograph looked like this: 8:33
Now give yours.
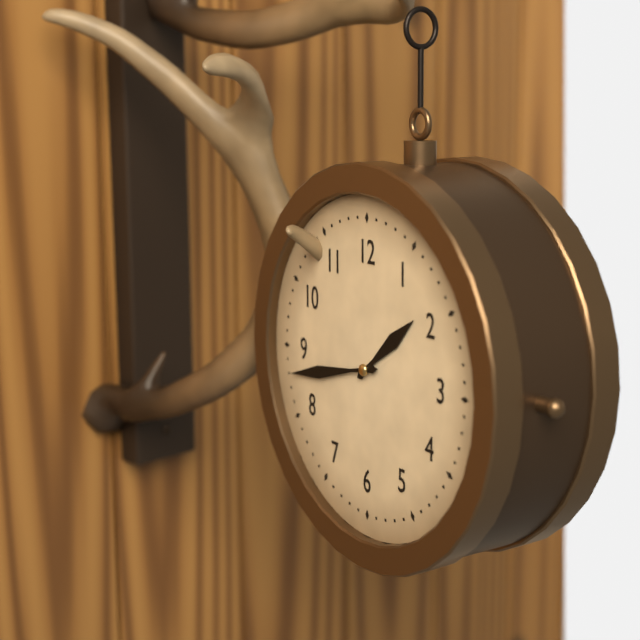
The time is 1:43
